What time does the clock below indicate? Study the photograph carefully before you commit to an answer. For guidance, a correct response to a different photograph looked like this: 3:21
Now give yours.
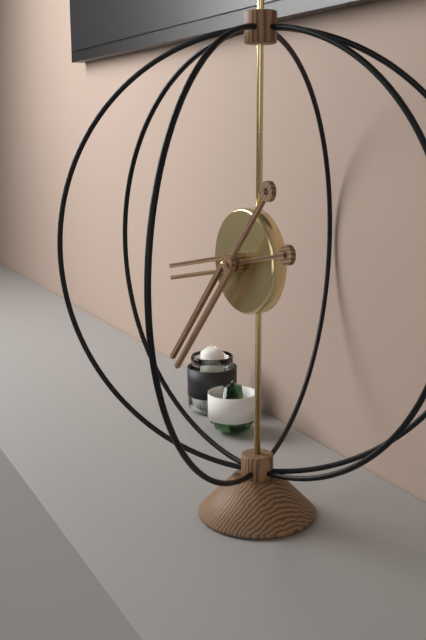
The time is 8:37
